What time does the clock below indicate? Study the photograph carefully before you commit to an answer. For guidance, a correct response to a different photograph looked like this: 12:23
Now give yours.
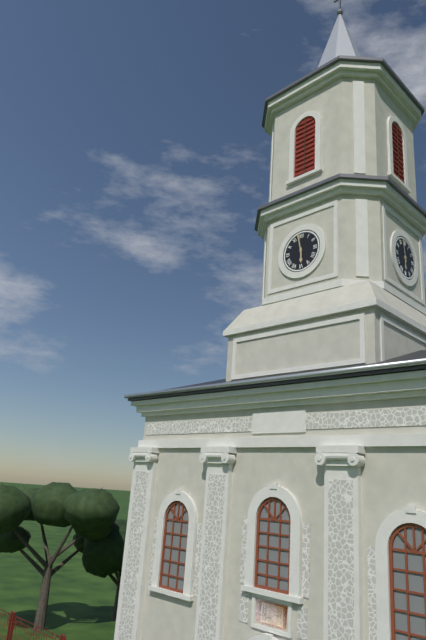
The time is 5:58
